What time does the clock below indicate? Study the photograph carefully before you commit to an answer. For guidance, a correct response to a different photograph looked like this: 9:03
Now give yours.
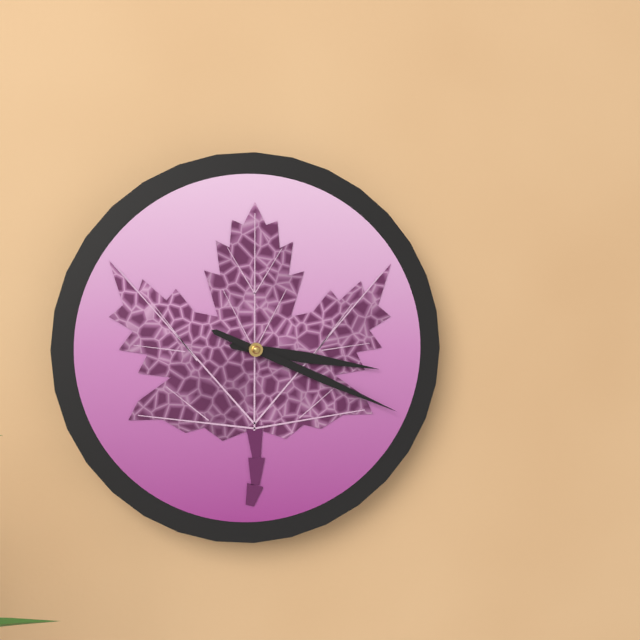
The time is 3:19
